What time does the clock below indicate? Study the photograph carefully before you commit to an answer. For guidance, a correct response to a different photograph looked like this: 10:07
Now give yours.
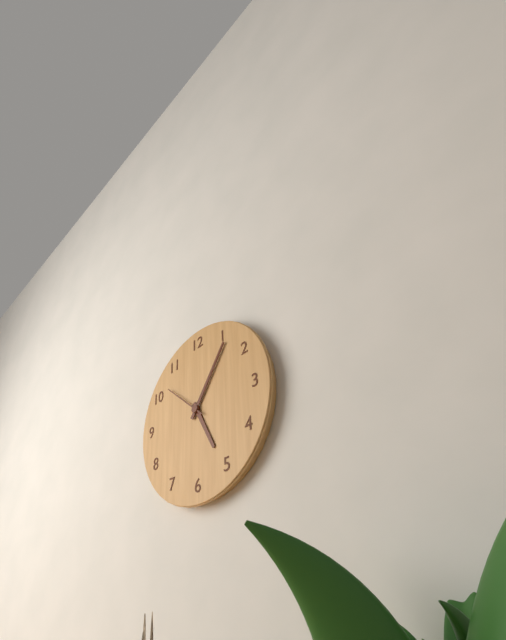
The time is 5:06
